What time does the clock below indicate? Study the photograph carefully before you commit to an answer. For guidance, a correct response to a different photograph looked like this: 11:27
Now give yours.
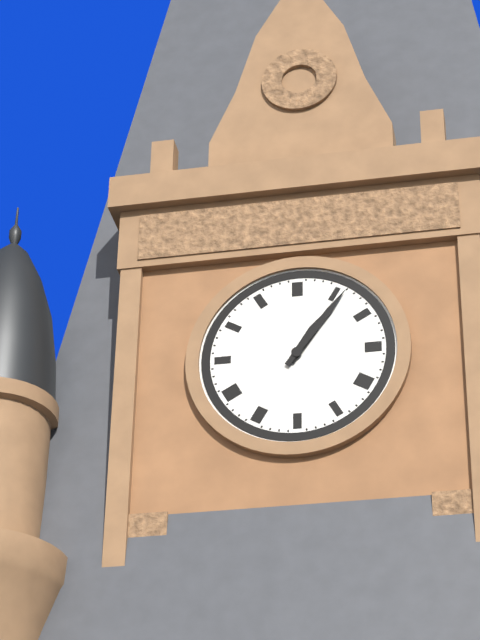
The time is 1:06
